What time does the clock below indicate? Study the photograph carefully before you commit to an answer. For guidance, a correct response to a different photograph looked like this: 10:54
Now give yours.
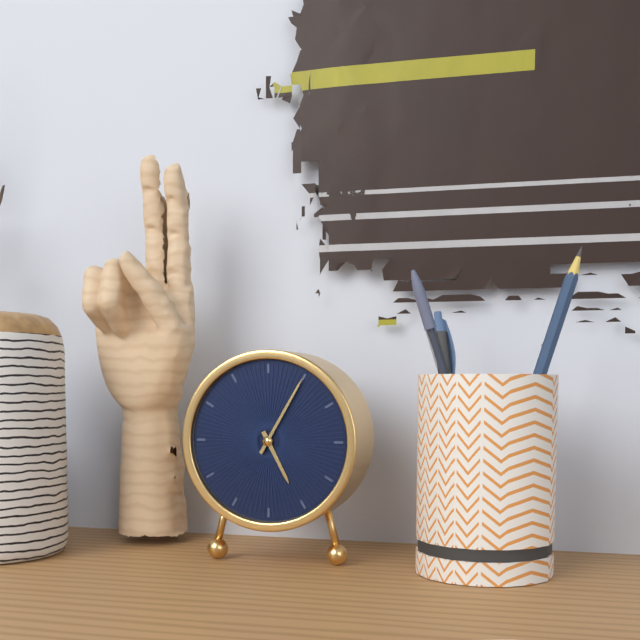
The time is 5:05
